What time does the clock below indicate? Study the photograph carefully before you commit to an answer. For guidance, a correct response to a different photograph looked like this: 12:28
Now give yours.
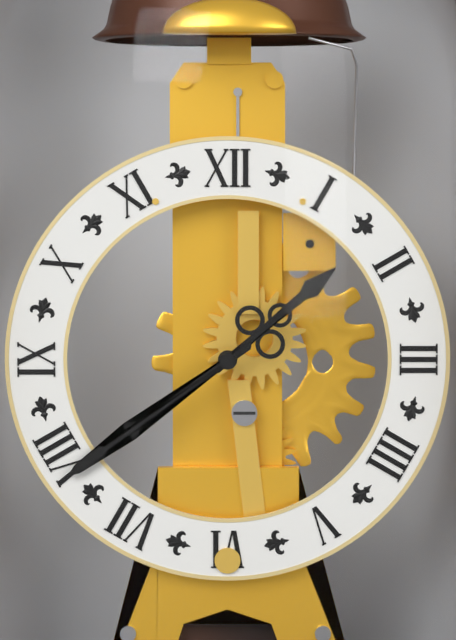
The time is 1:39
